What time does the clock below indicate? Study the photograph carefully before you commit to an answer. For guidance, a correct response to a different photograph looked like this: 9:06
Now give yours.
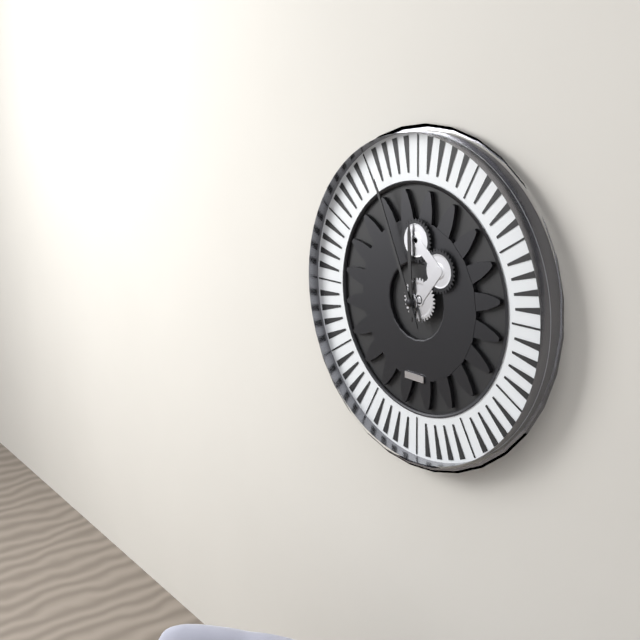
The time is 11:56
